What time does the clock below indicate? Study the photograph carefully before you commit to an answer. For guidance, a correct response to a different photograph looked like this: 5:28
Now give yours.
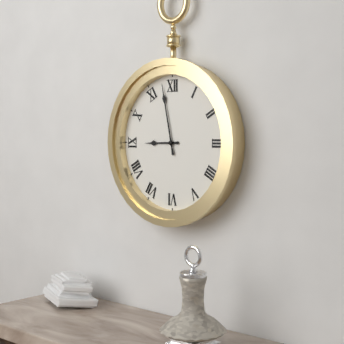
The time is 8:58
